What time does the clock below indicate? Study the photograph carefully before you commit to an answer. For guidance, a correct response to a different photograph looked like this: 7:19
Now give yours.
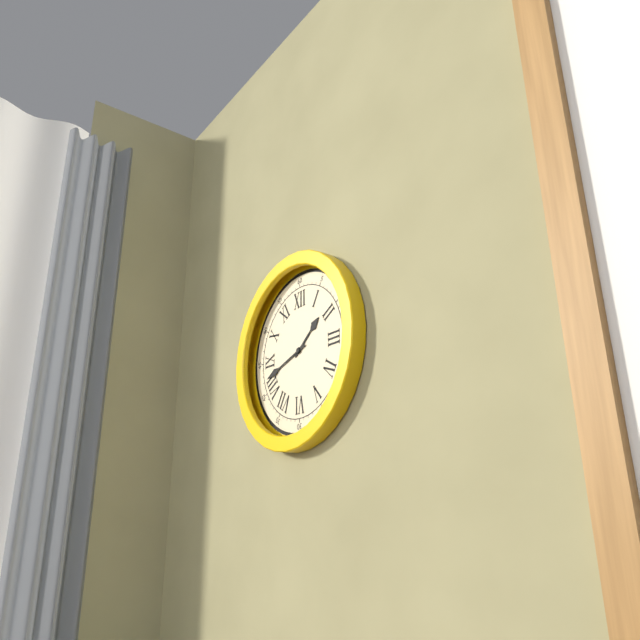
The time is 1:42
